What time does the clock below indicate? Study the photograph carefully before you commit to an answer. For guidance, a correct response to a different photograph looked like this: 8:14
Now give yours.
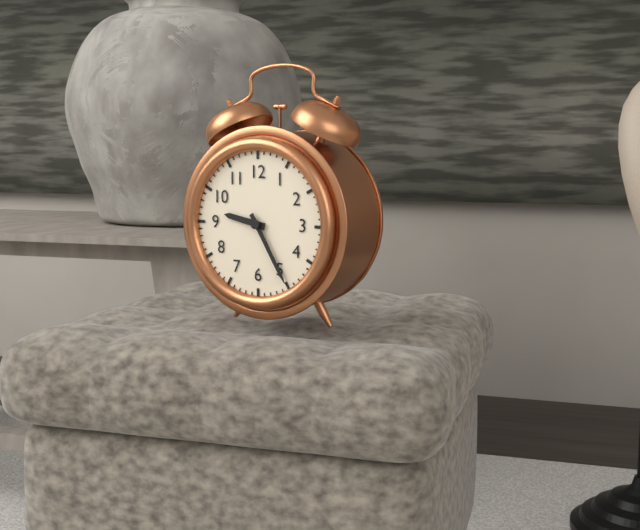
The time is 9:25
